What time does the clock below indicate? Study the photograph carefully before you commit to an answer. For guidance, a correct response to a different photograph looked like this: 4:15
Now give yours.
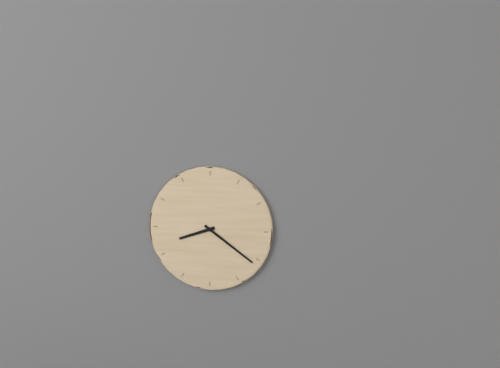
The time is 8:21
